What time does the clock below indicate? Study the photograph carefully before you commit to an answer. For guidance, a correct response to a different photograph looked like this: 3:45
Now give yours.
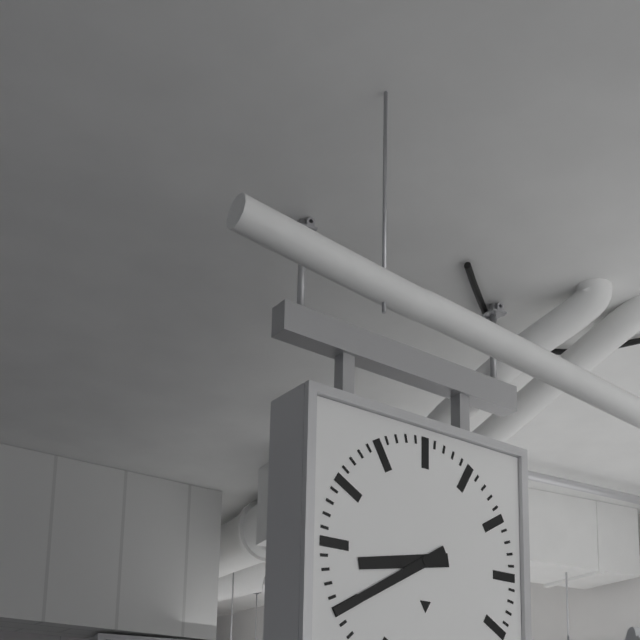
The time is 8:40
